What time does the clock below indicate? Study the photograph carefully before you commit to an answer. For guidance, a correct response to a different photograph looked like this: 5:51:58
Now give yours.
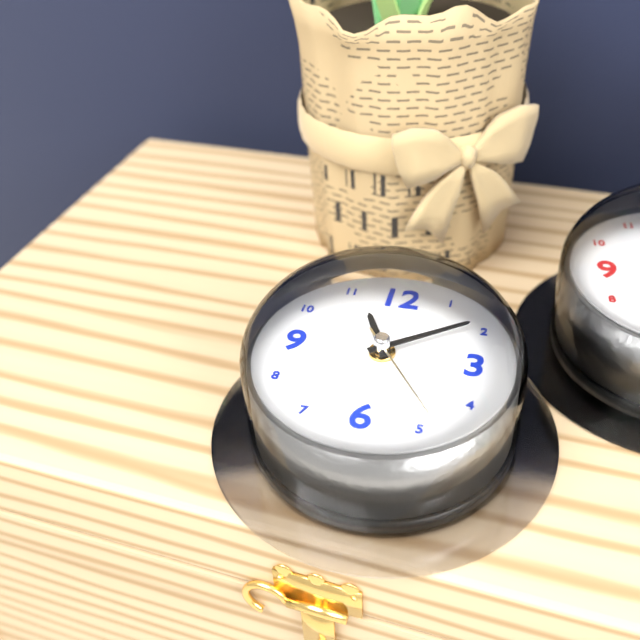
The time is 11:09:24
